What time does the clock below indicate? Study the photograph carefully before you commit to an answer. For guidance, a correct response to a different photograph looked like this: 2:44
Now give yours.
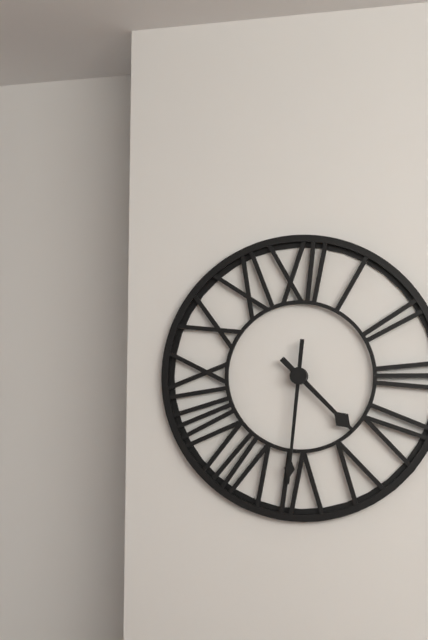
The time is 4:31
